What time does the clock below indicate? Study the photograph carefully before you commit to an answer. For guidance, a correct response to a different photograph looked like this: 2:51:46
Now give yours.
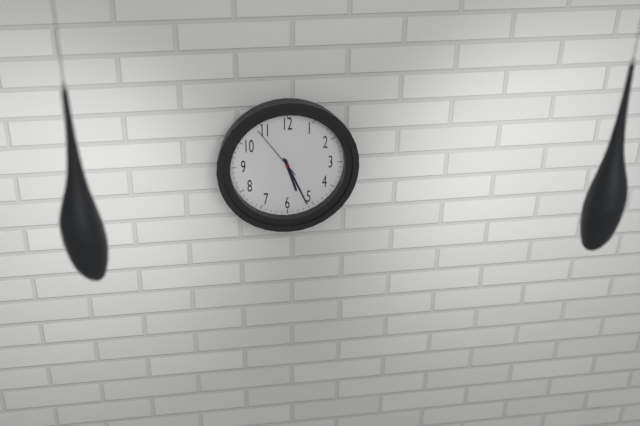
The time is 5:26:54
